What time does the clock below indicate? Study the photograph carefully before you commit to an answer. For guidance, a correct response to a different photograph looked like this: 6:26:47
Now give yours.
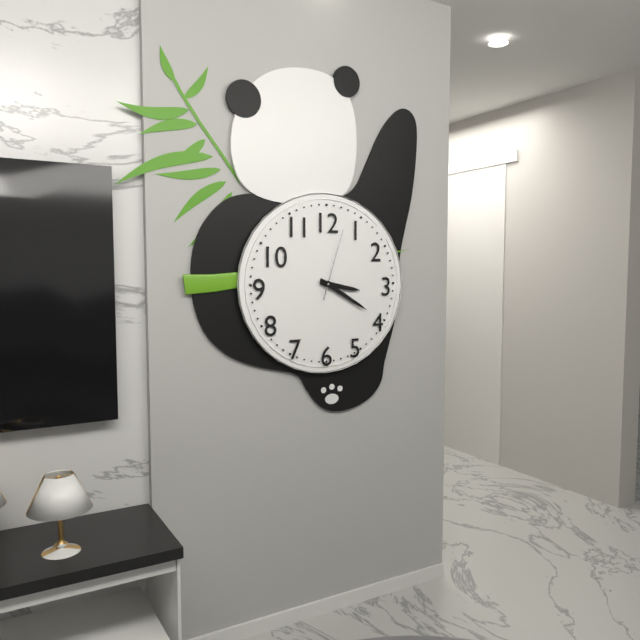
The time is 3:20:03
